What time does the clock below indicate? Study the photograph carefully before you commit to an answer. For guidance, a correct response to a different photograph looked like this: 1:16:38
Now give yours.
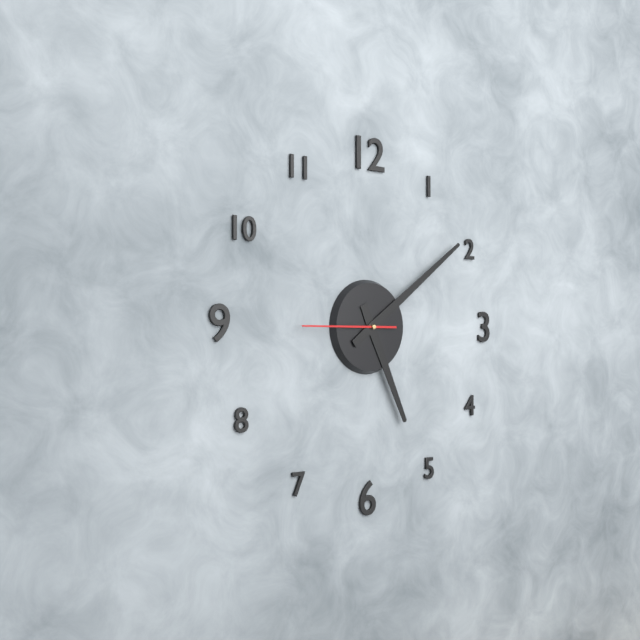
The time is 5:09:45
